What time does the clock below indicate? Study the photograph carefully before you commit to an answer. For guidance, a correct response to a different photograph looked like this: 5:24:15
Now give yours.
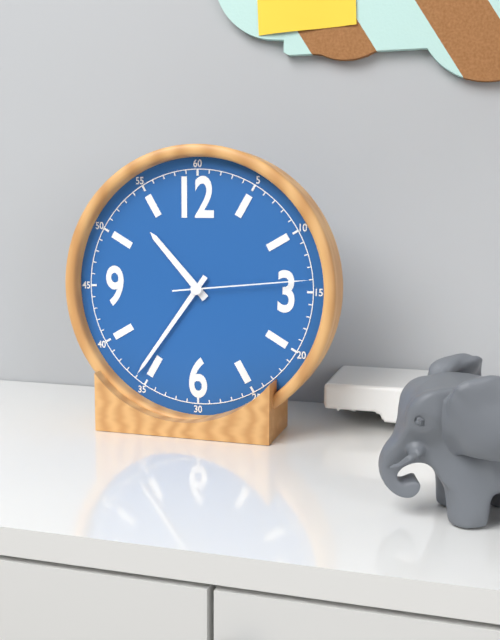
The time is 10:36:14
